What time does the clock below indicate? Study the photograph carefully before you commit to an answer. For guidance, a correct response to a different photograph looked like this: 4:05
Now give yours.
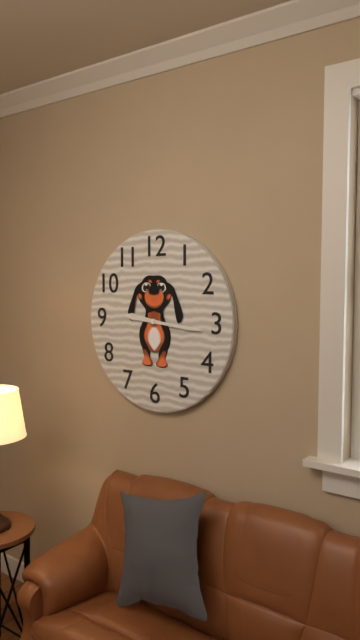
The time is 9:16
